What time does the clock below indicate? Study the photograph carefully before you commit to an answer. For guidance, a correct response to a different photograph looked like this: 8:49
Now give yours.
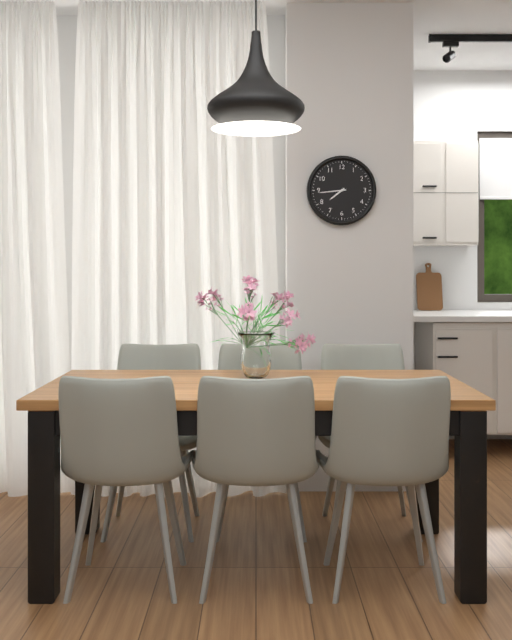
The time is 7:44
